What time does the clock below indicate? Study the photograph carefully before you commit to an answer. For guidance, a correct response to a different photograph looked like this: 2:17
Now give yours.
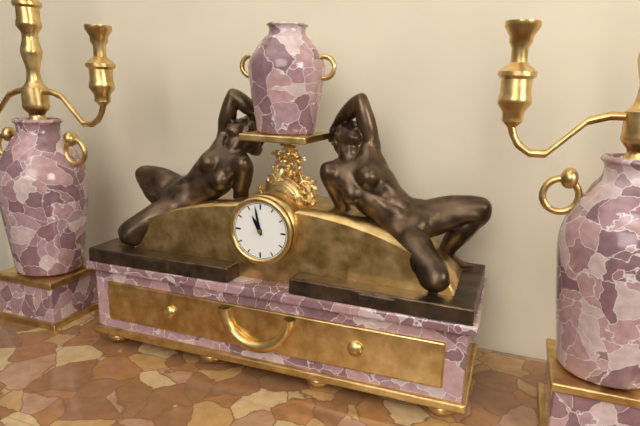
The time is 10:58
